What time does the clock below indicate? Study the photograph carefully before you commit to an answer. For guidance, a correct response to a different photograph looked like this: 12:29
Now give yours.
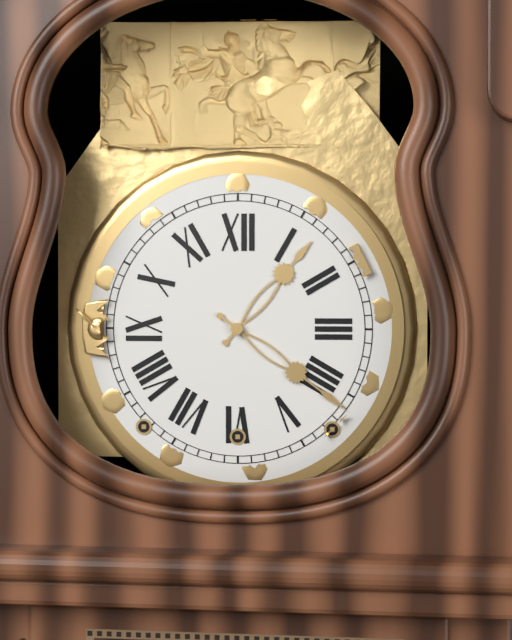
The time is 1:21
